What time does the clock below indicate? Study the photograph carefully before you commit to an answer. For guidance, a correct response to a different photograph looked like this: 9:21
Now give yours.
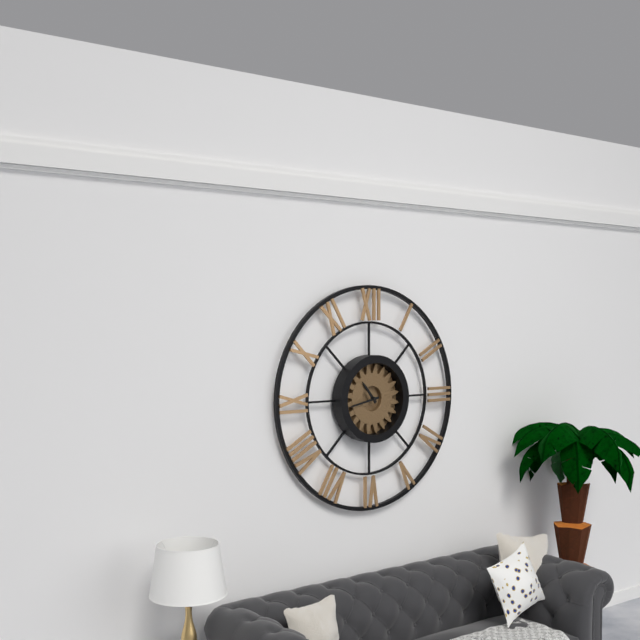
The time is 10:43
